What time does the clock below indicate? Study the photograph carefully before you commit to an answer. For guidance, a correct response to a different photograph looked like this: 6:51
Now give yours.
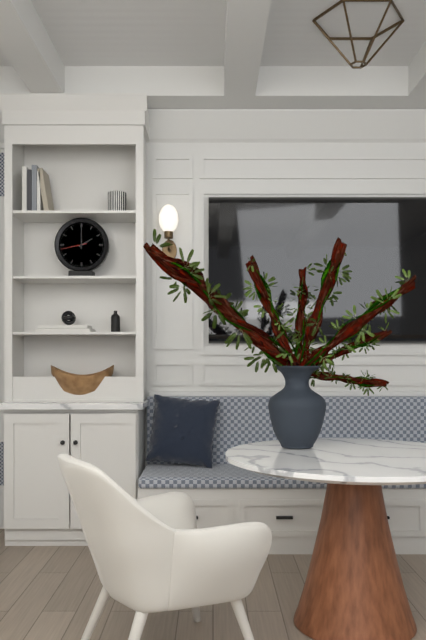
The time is 2:00
